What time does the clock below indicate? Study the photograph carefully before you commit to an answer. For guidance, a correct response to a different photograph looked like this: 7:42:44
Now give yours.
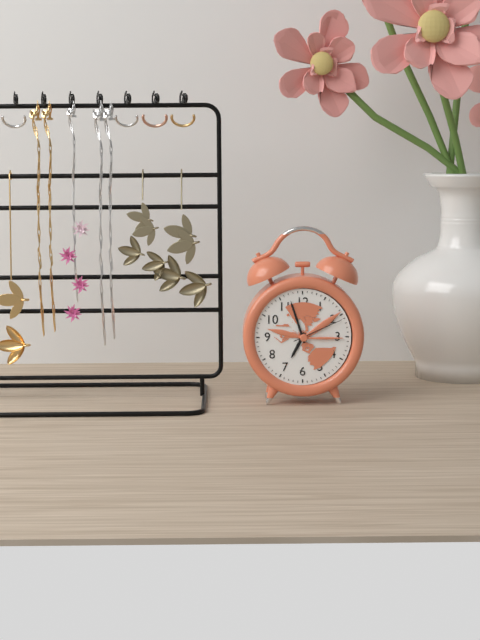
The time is 6:57:11
